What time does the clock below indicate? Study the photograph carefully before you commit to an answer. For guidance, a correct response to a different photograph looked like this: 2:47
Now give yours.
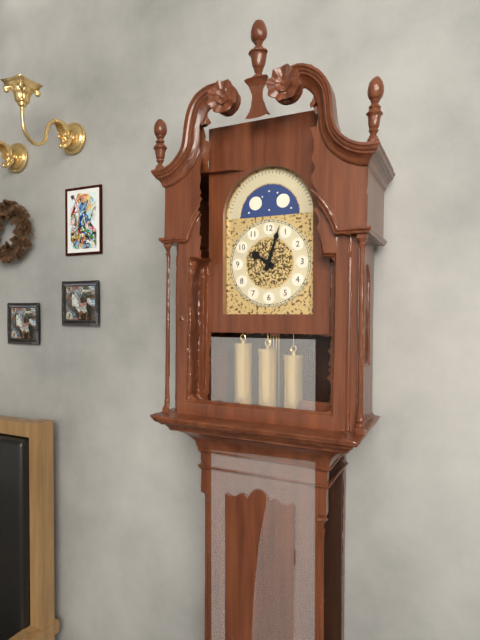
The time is 10:03
